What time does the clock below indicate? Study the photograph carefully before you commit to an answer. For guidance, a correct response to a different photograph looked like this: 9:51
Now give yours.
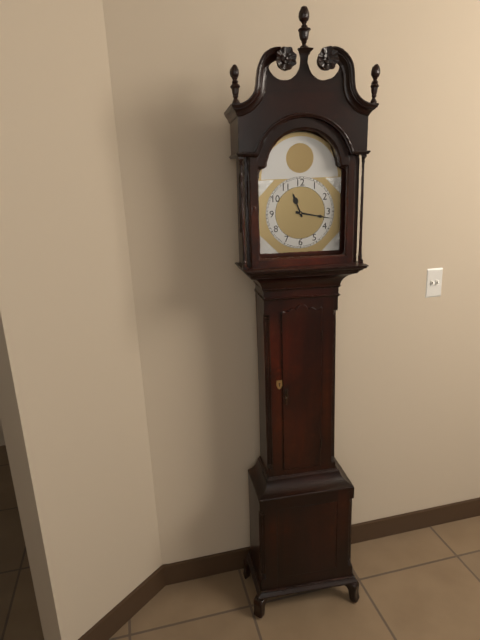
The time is 11:17
